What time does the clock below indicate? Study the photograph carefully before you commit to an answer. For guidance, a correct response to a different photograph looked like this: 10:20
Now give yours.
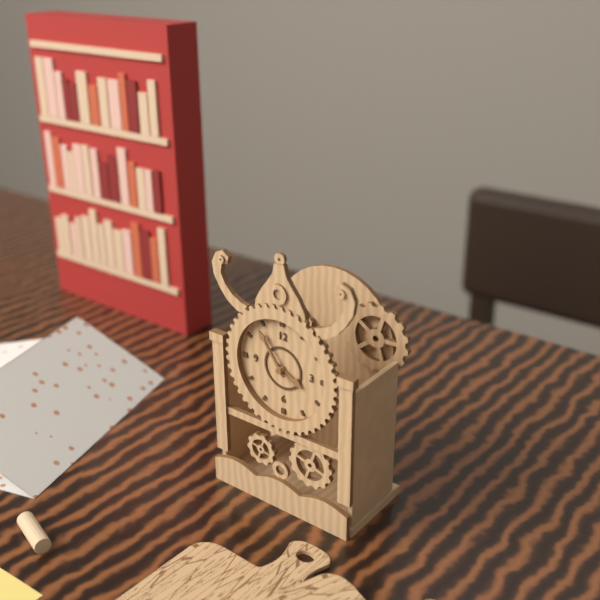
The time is 3:54
